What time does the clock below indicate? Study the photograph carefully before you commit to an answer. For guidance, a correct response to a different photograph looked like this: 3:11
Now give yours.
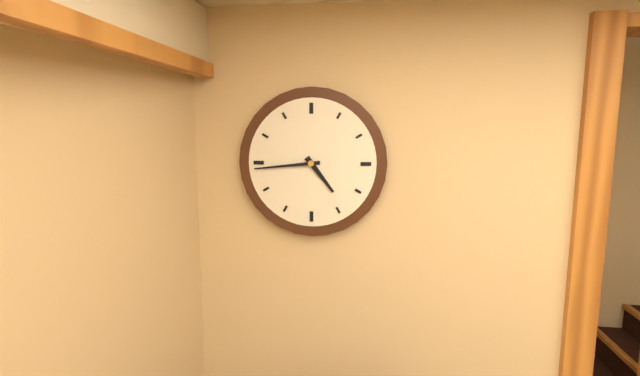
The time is 4:44
